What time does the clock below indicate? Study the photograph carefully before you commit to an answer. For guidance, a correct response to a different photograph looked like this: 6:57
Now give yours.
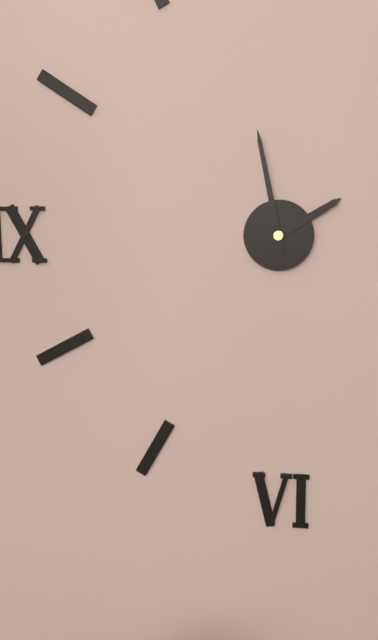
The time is 1:58
